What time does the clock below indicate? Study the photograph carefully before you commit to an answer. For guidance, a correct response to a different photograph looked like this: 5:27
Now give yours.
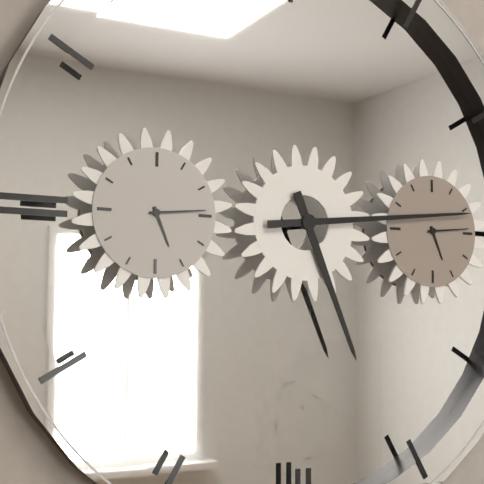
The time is 5:14
